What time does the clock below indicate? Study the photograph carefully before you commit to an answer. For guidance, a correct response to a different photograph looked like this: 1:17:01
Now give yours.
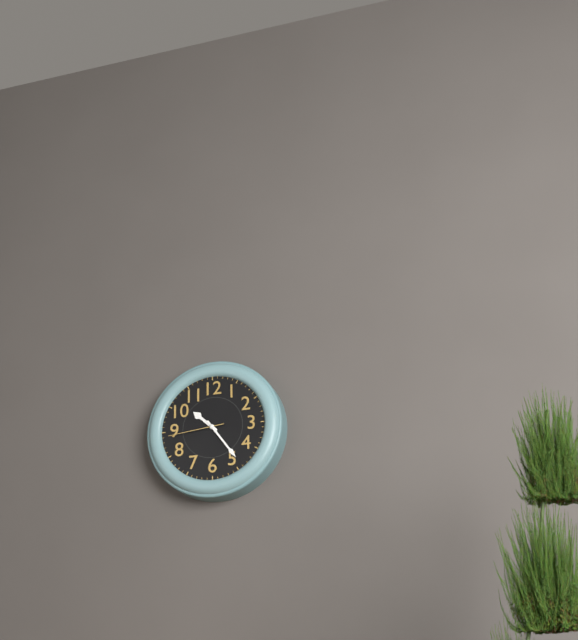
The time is 10:24:44
